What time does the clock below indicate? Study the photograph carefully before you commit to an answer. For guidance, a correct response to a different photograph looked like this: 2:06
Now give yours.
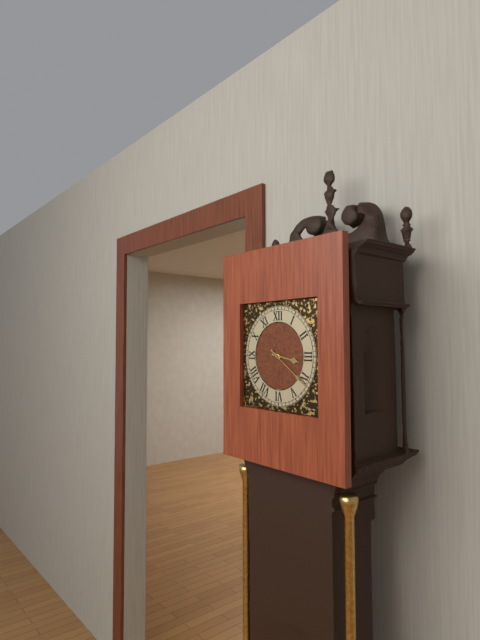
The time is 3:21
